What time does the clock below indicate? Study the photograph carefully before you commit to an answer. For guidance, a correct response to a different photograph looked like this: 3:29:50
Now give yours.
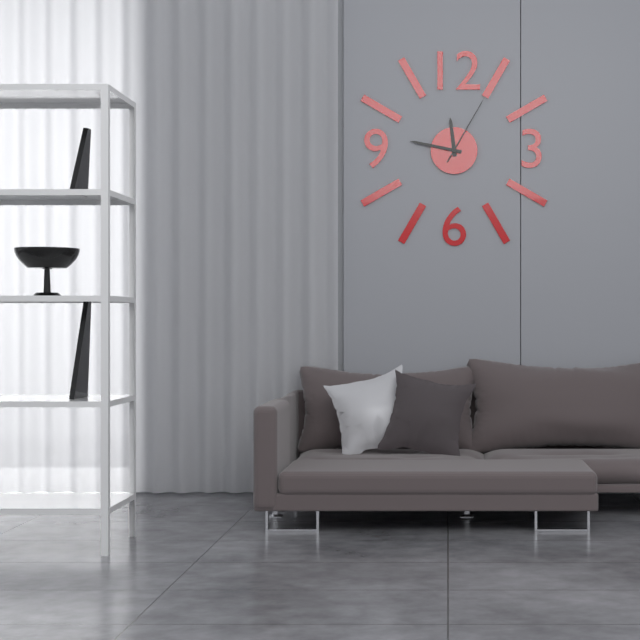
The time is 11:47:05
